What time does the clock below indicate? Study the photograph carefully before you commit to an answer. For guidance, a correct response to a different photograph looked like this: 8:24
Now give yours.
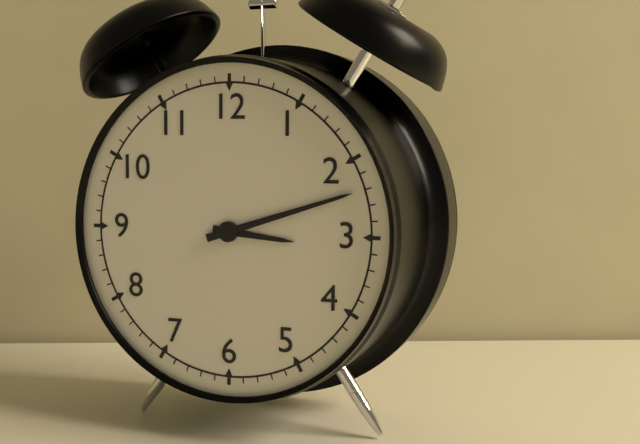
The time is 3:12
